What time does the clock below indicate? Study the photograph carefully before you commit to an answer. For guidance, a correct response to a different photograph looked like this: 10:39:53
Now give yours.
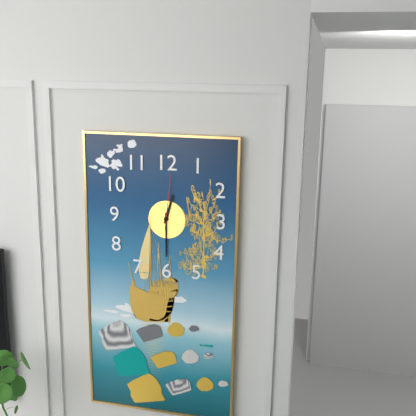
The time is 12:30:01
